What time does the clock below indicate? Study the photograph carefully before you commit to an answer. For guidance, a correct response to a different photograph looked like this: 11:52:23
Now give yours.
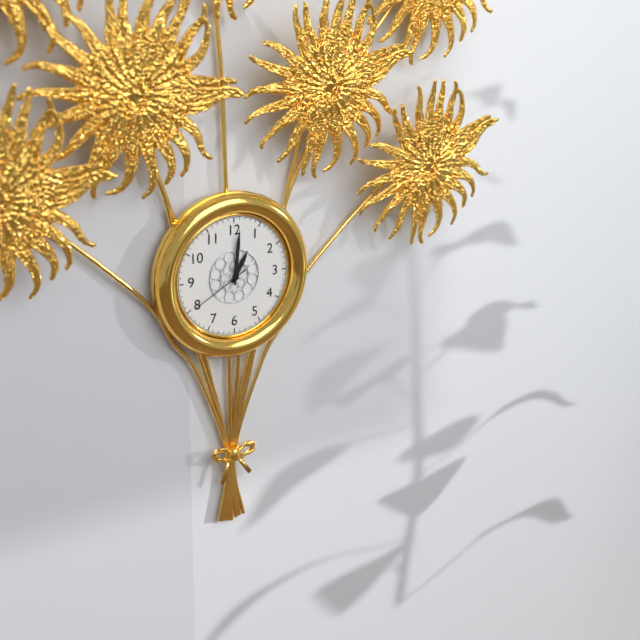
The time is 1:01:40
